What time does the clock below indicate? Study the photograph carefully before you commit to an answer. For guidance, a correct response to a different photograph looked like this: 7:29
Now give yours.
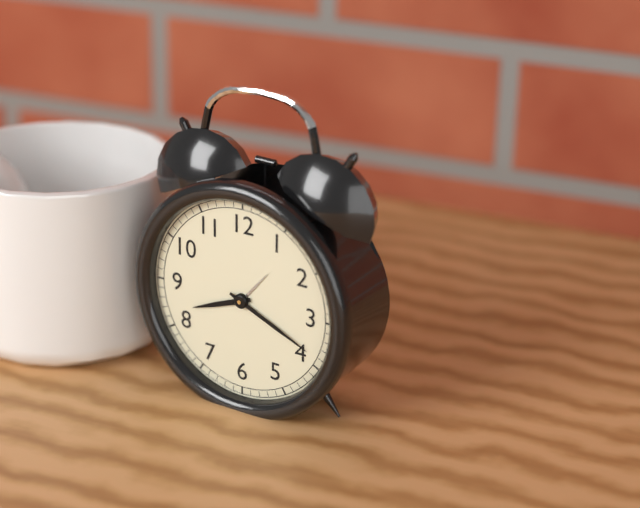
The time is 8:19
